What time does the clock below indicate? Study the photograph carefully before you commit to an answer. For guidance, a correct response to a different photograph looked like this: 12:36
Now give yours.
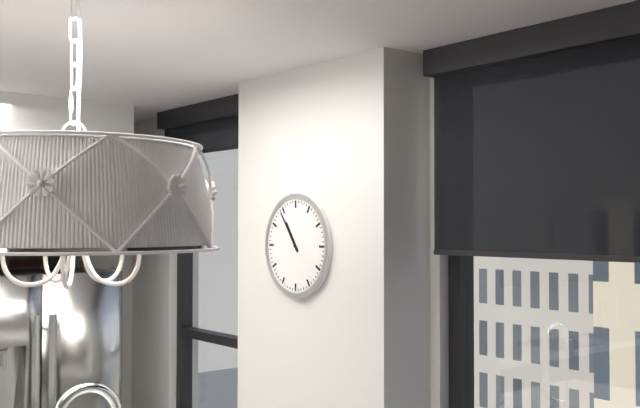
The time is 10:54
